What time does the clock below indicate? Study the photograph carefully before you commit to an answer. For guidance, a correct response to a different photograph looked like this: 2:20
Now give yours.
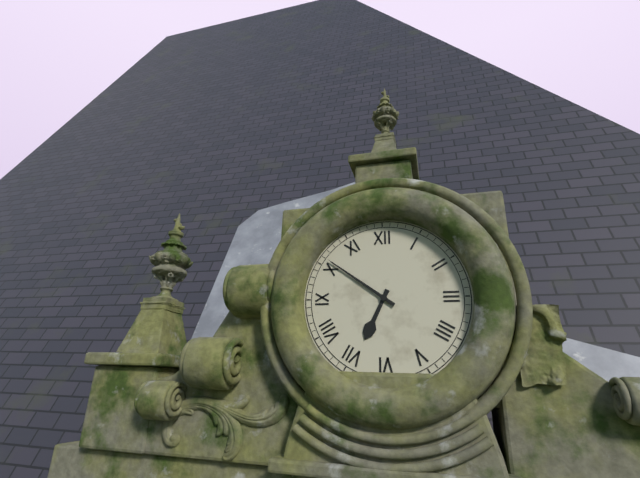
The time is 6:51
